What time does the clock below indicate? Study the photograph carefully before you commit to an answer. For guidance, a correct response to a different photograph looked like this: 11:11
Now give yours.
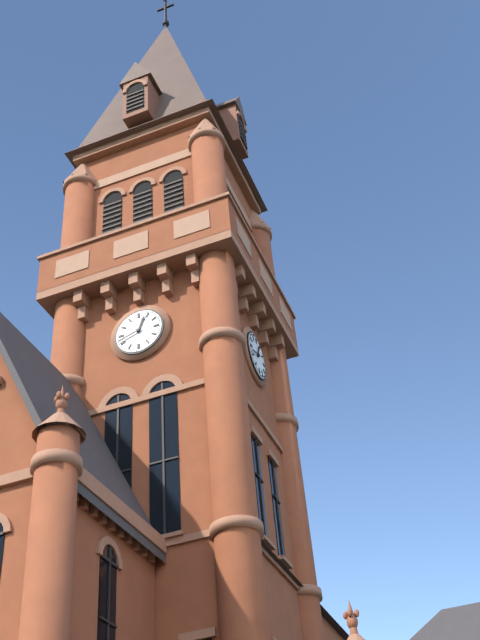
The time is 12:42
